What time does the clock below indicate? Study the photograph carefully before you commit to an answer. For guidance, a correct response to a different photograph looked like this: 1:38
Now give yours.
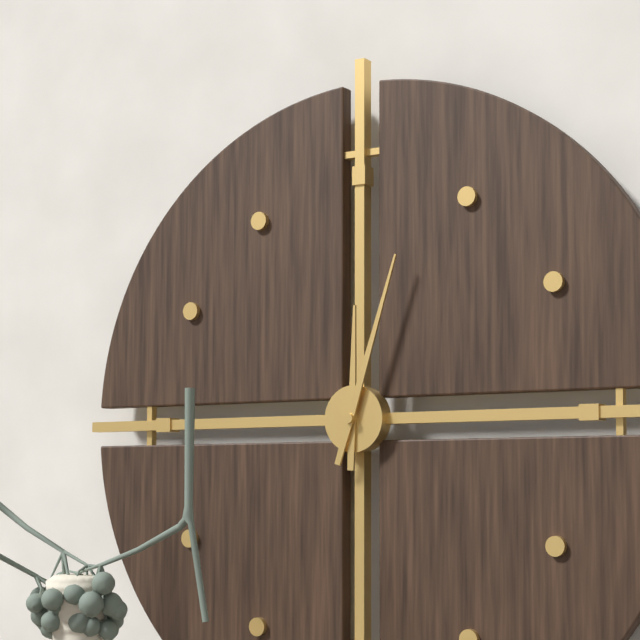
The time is 12:03
